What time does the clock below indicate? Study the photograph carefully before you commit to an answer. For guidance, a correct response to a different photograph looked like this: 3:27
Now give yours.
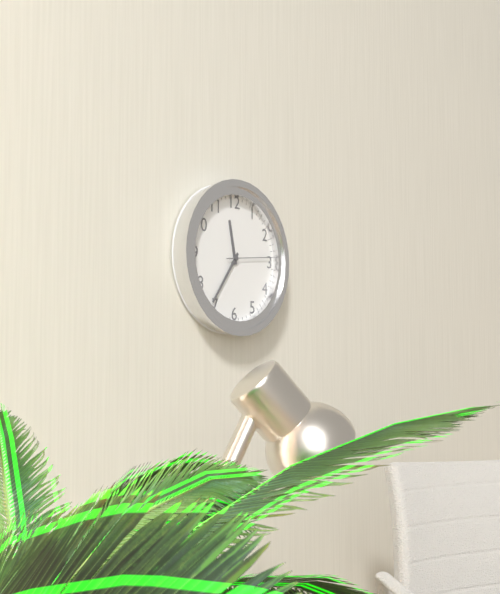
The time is 11:36
